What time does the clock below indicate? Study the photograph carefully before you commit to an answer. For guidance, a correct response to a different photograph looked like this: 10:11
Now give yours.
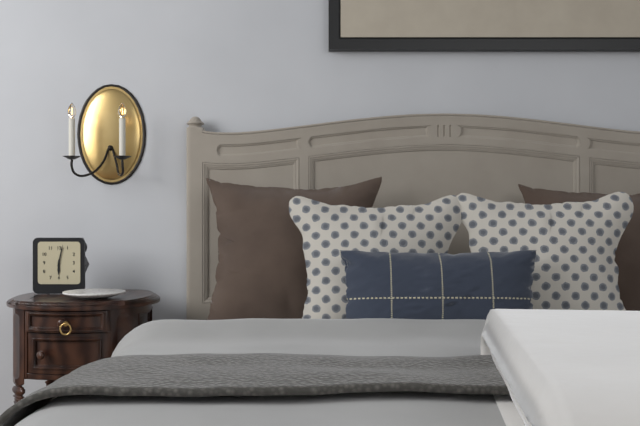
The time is 6:02
